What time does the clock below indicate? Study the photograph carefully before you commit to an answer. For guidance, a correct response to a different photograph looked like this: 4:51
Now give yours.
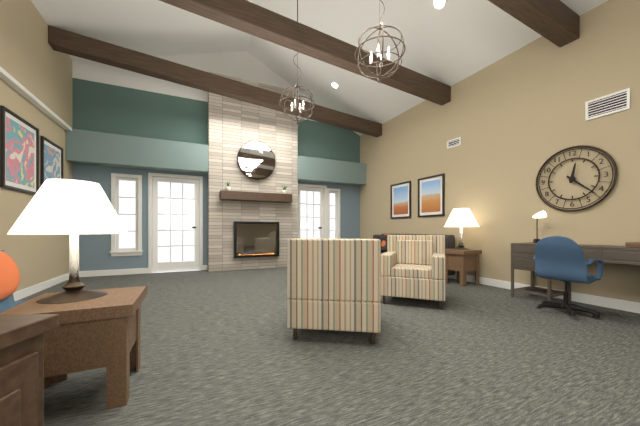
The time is 12:22
